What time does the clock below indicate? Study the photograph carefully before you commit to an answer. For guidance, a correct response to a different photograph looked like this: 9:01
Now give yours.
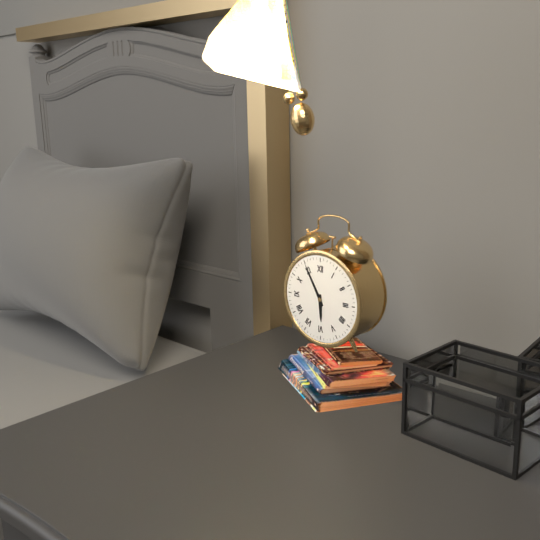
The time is 5:55
